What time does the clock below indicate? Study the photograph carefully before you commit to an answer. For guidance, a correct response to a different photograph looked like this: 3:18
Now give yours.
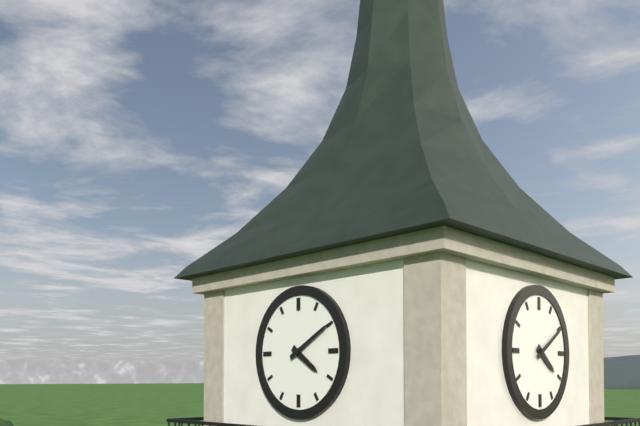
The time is 4:10
